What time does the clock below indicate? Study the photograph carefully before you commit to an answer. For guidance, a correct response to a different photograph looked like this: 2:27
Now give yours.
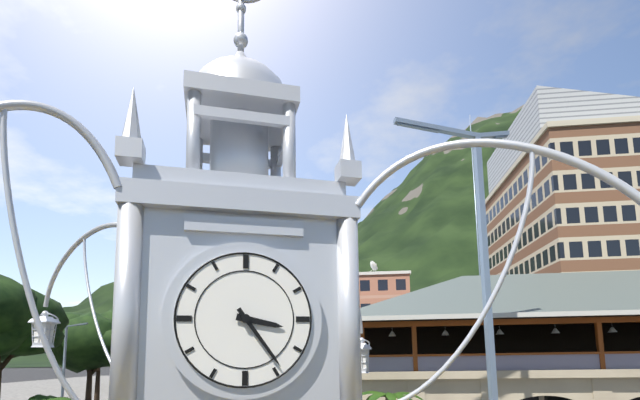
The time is 3:24
